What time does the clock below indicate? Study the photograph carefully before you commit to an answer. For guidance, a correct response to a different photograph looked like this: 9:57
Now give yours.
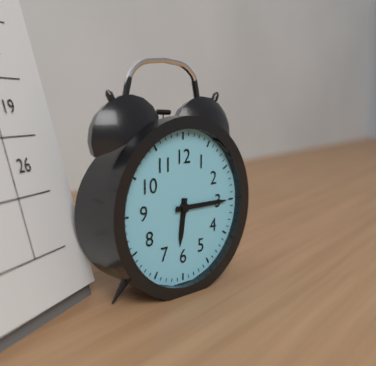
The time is 6:15
